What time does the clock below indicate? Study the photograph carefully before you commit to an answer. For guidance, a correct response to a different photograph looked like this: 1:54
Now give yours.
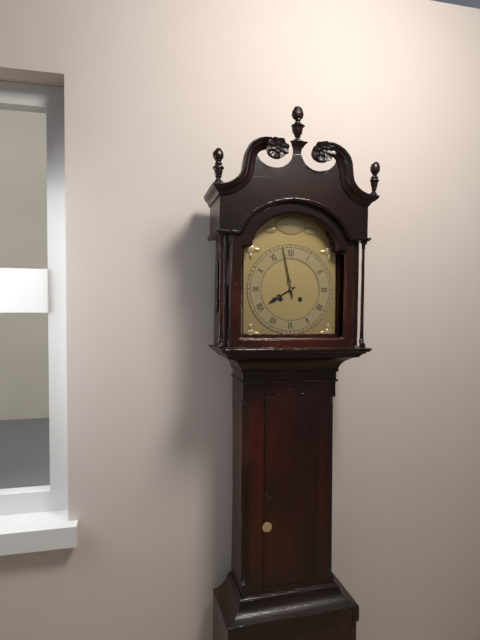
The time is 7:58
